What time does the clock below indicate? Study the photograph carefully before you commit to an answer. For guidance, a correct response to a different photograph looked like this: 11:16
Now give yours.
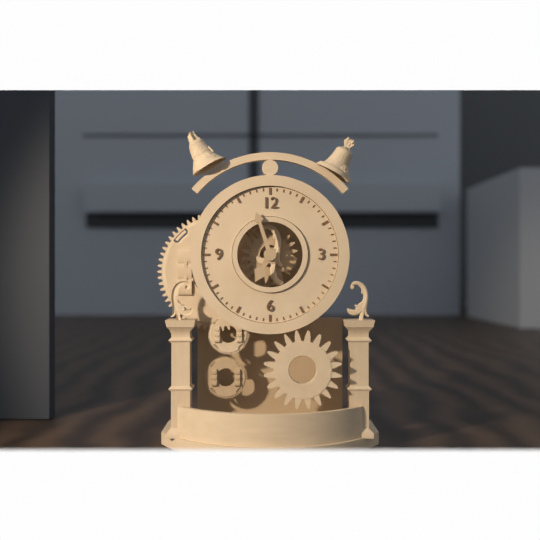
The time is 6:57
